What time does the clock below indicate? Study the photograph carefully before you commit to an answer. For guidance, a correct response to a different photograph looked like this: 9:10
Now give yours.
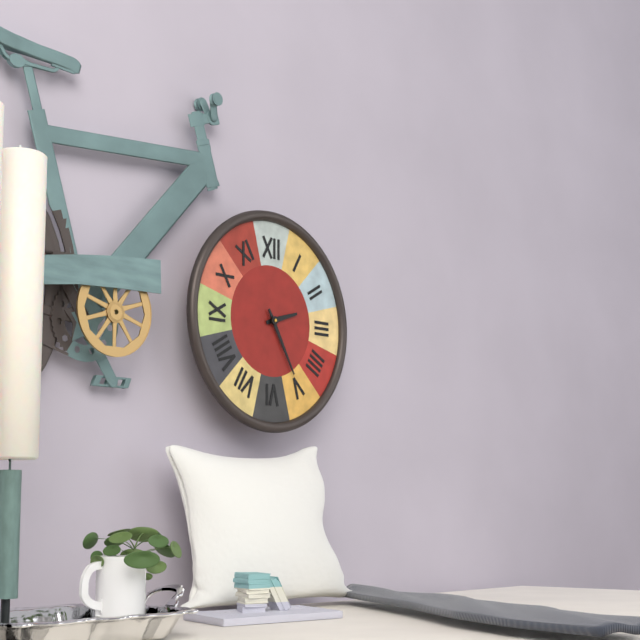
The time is 2:25
